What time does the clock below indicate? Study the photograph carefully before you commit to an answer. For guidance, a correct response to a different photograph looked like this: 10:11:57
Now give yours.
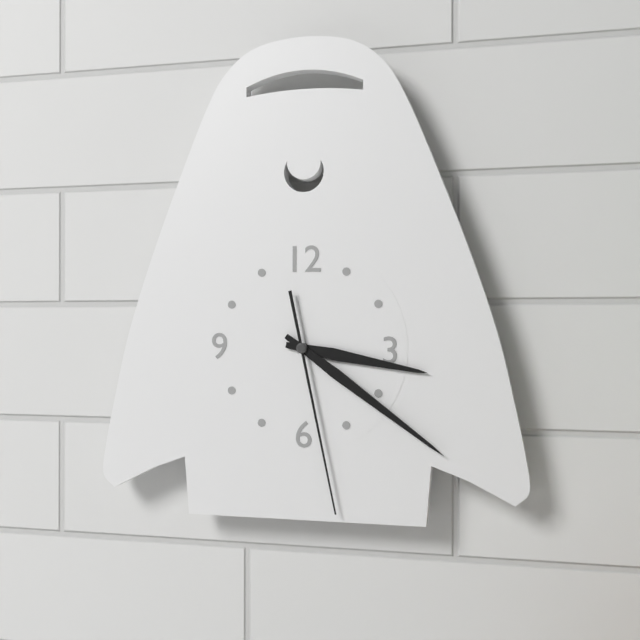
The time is 3:21:28
